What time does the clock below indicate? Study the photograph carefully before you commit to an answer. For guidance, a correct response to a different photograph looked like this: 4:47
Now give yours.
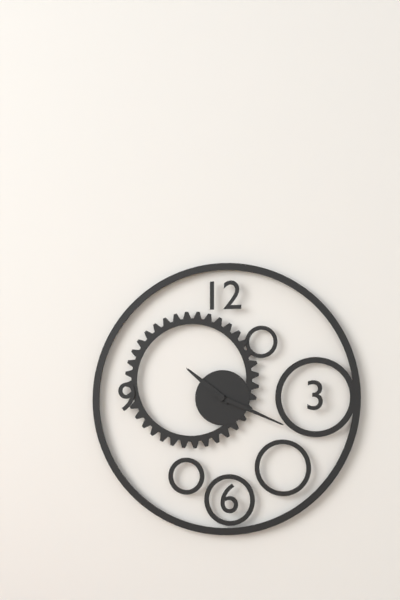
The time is 10:19
